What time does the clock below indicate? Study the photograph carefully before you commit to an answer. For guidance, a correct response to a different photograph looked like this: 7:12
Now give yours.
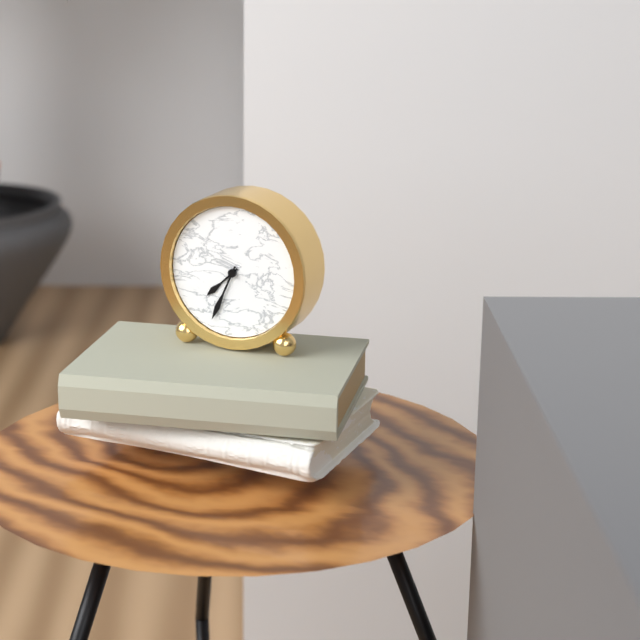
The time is 7:34
